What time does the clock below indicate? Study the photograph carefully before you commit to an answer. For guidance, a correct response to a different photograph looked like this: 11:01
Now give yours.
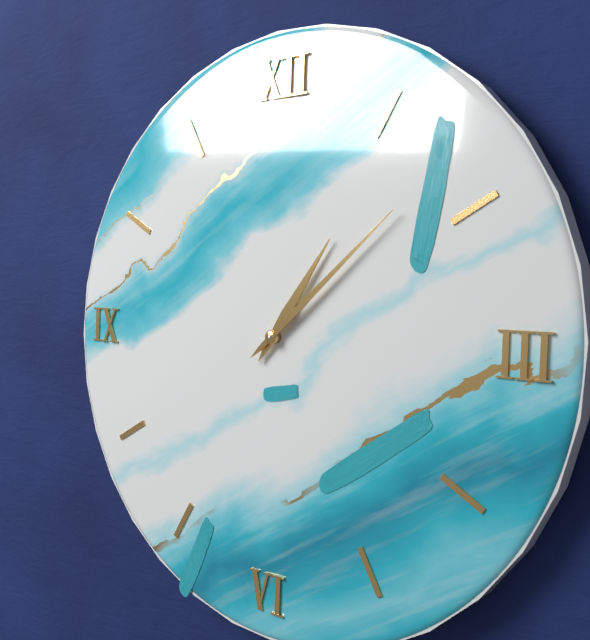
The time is 1:08
